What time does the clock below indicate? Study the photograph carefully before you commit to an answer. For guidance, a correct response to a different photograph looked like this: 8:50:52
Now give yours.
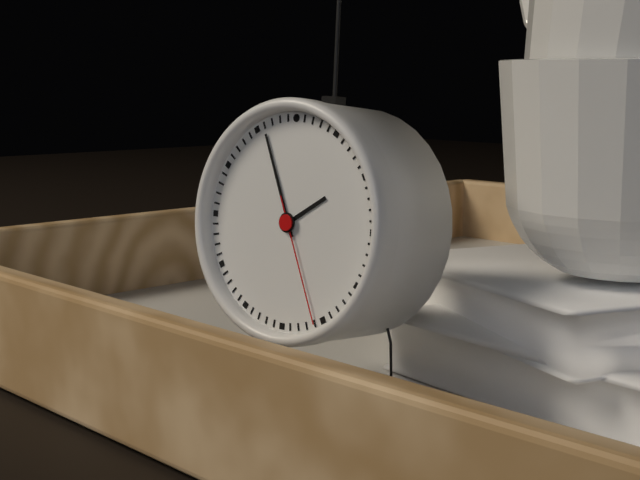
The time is 1:56:26
